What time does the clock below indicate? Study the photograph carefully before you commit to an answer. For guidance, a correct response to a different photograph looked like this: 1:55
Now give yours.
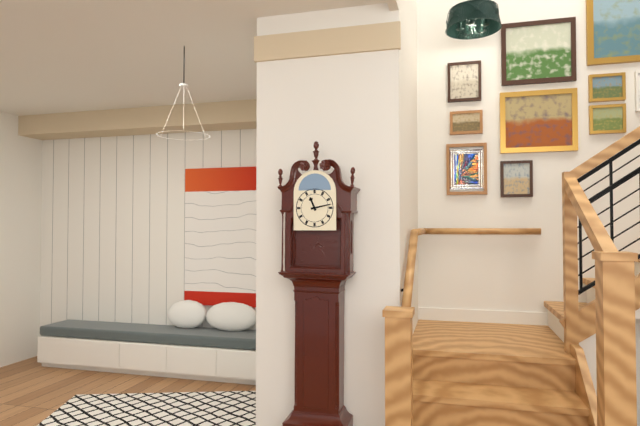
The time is 11:13
